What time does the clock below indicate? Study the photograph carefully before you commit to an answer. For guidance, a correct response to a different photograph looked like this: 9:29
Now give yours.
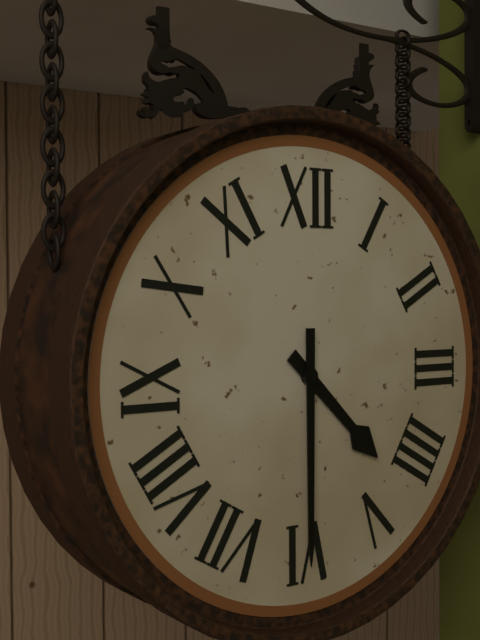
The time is 4:30
